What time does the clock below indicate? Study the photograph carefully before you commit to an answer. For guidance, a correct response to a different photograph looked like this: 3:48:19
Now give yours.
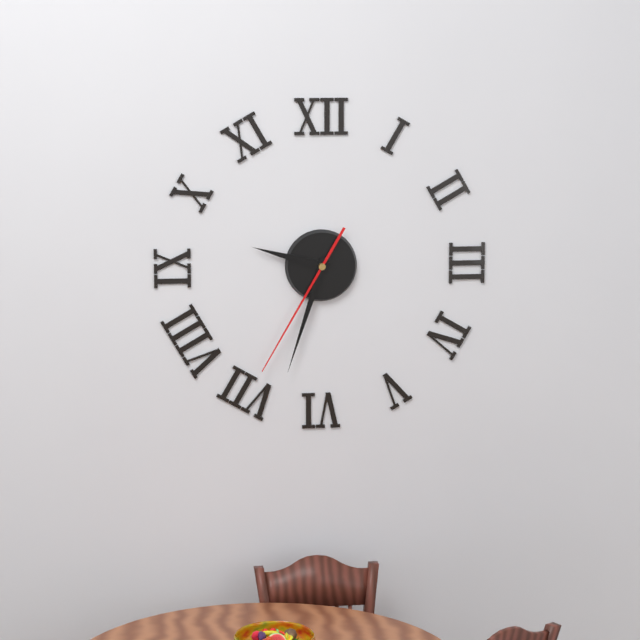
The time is 9:33:35
